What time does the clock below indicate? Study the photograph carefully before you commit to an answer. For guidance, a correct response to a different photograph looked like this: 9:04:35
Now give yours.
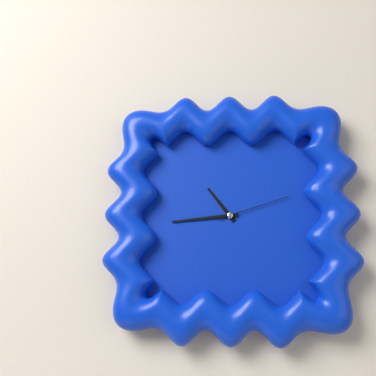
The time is 10:44:12
